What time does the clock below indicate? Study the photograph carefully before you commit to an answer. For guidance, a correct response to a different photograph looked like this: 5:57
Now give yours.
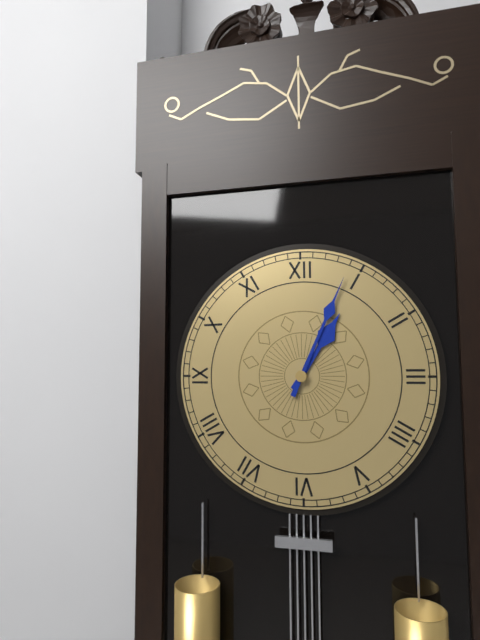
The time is 1:04
